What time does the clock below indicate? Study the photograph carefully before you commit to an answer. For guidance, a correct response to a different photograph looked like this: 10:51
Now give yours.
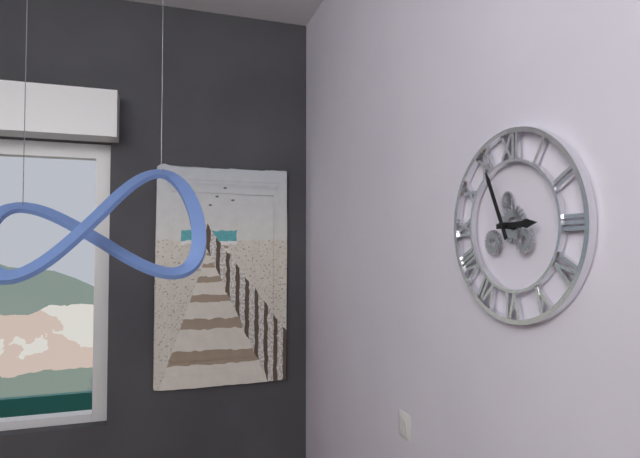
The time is 2:56
